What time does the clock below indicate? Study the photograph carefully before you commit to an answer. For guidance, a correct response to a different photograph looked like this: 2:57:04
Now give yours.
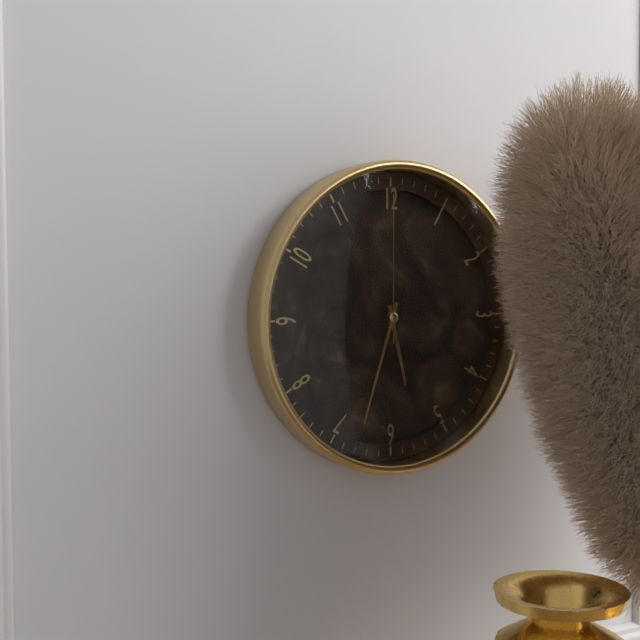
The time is 5:33:00
